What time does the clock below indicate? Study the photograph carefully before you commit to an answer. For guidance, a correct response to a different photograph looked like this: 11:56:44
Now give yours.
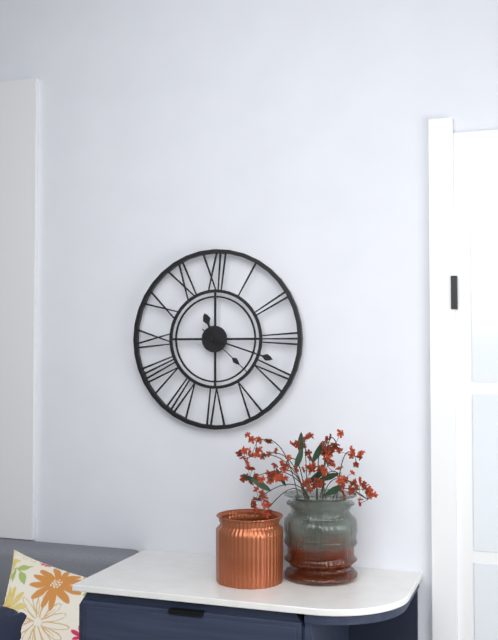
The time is 11:18:22
